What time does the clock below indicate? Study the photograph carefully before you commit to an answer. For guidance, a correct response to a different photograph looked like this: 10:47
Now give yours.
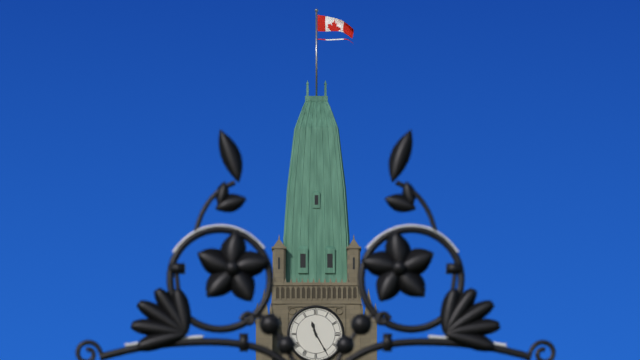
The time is 11:25
